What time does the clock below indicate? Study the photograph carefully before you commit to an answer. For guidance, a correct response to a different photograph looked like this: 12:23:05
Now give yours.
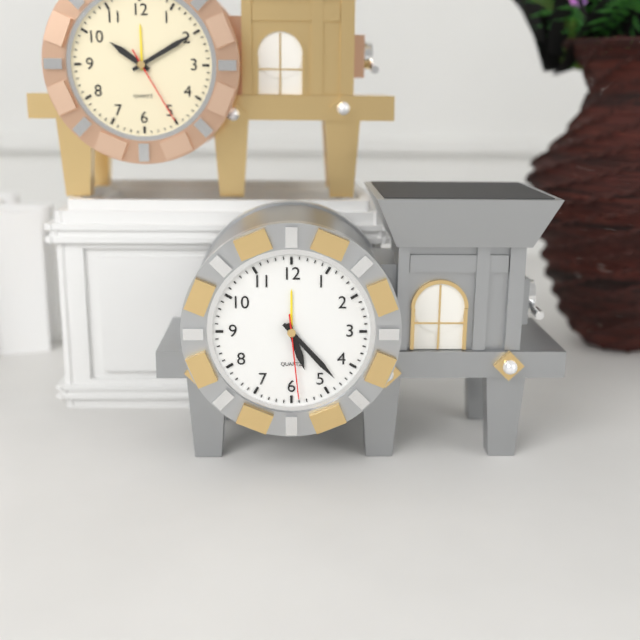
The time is 5:23:29
